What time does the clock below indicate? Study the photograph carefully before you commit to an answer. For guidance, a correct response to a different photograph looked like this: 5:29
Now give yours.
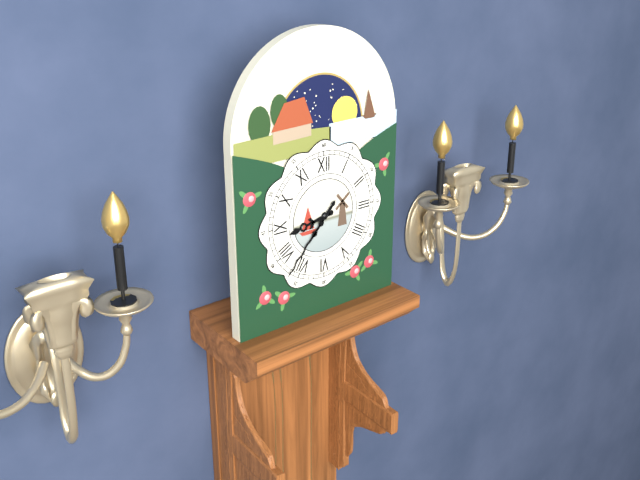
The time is 8:37
